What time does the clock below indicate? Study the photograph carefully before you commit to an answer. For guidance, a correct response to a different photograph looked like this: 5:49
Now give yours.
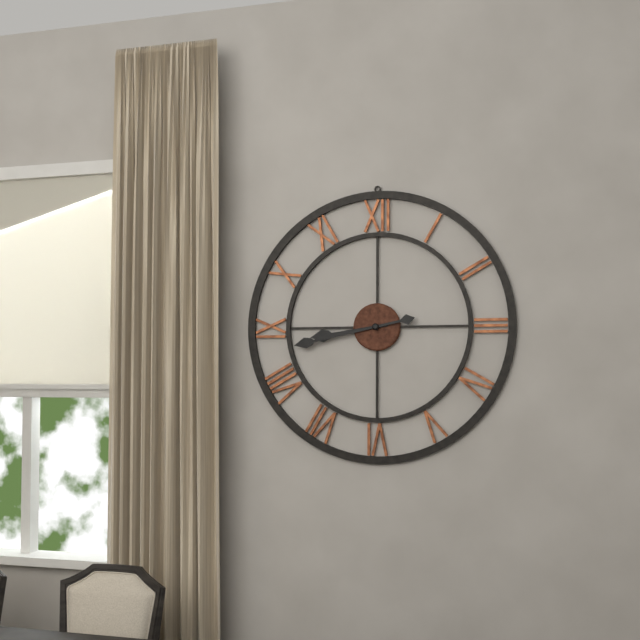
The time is 8:43
